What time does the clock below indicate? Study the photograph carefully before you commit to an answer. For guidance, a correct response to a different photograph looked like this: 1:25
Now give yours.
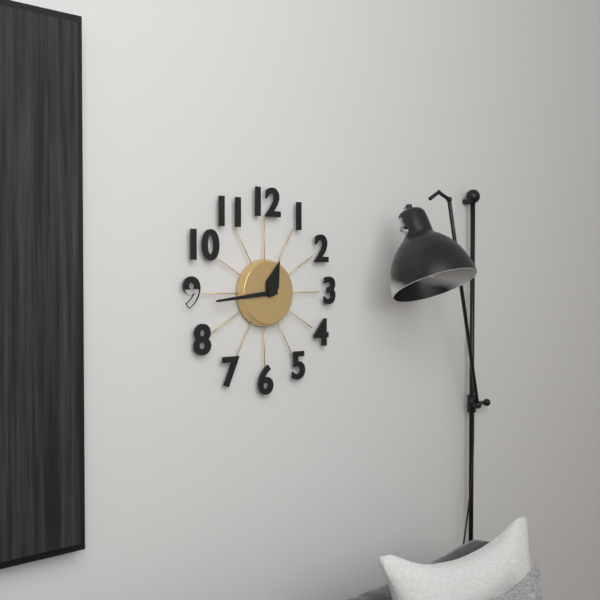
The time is 12:44
